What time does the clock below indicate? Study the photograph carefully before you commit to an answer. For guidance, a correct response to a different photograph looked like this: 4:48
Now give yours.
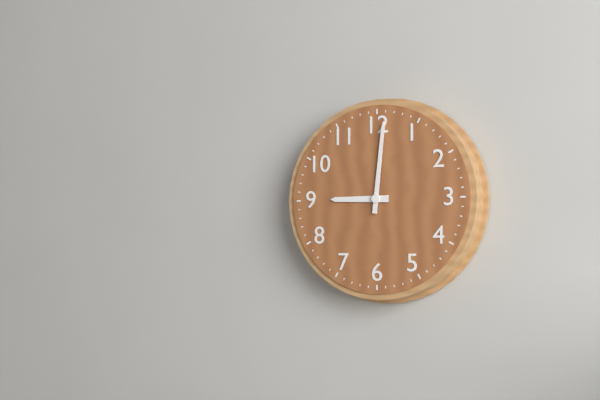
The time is 9:01
